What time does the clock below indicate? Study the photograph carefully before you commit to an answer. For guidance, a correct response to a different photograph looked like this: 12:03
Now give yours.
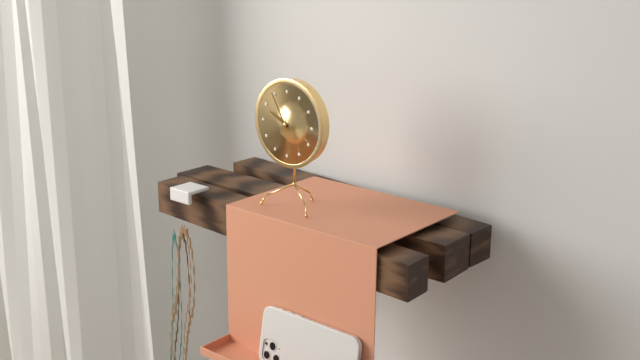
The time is 9:55
